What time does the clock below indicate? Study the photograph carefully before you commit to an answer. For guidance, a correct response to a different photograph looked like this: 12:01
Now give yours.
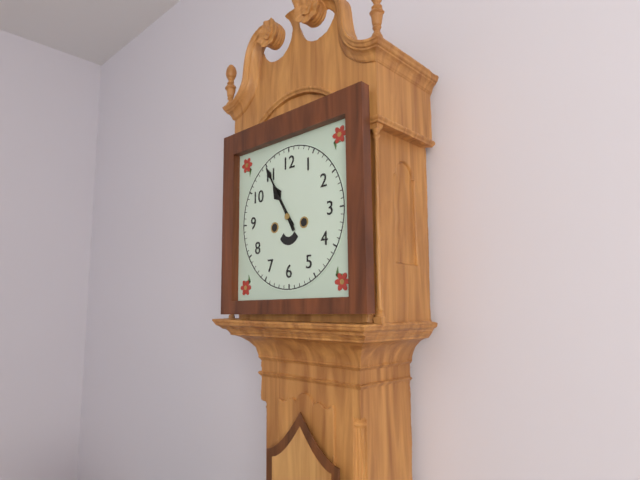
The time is 10:55
